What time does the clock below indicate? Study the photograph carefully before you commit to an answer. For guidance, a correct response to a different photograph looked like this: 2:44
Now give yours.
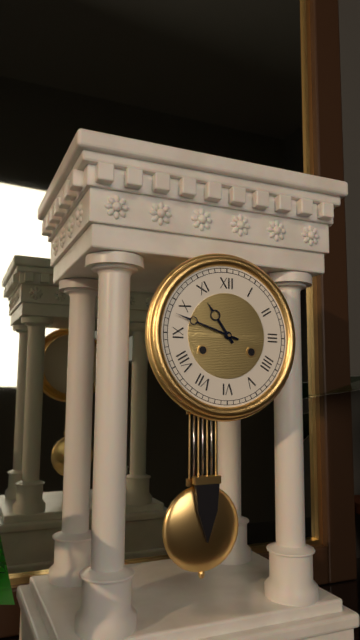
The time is 10:48
